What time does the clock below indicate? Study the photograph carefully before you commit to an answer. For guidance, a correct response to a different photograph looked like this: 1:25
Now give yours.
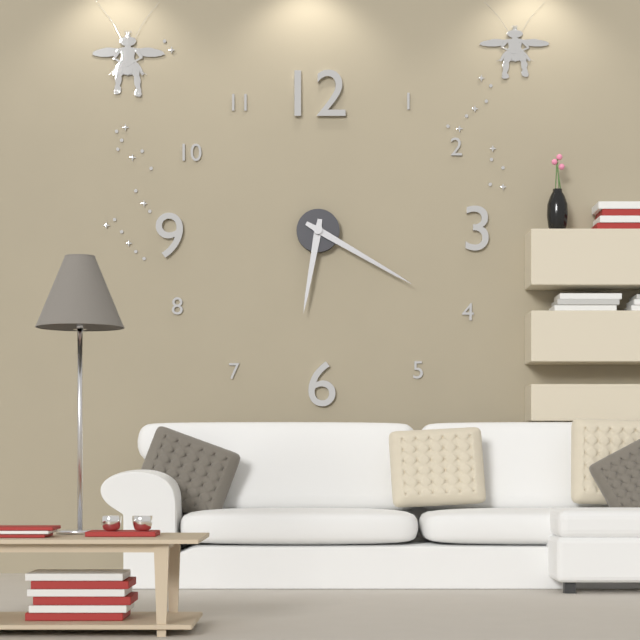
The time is 6:20
